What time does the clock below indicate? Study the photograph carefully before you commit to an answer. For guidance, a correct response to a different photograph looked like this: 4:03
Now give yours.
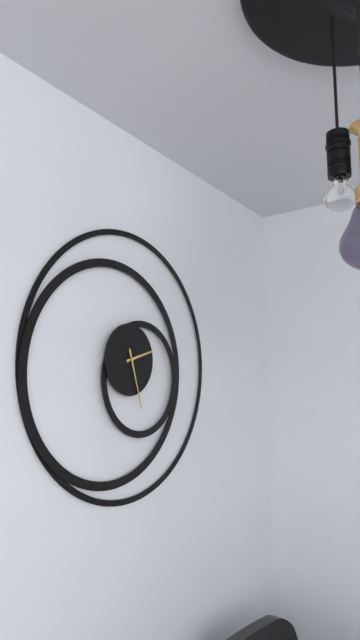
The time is 2:27
